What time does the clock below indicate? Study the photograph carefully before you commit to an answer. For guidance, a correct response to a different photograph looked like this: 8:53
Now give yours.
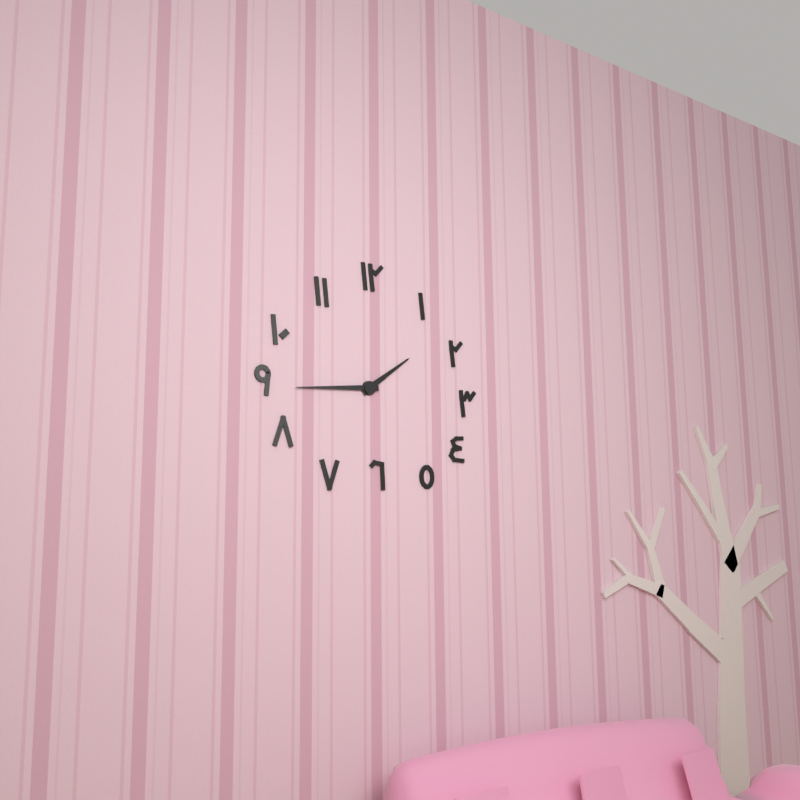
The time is 1:44
